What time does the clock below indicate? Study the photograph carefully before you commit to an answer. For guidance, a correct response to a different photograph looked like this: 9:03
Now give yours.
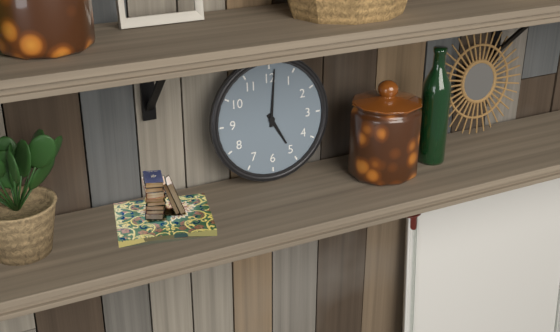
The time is 5:01
